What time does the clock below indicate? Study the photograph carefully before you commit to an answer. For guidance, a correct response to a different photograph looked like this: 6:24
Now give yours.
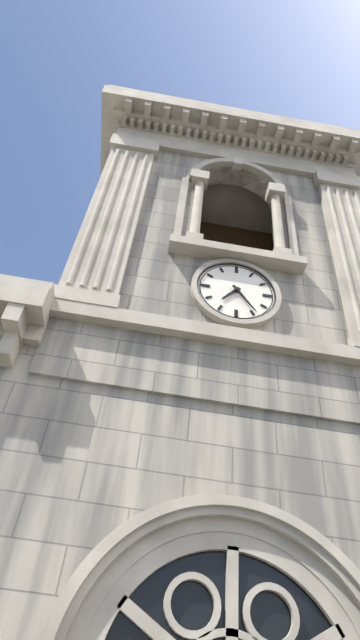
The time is 7:24
